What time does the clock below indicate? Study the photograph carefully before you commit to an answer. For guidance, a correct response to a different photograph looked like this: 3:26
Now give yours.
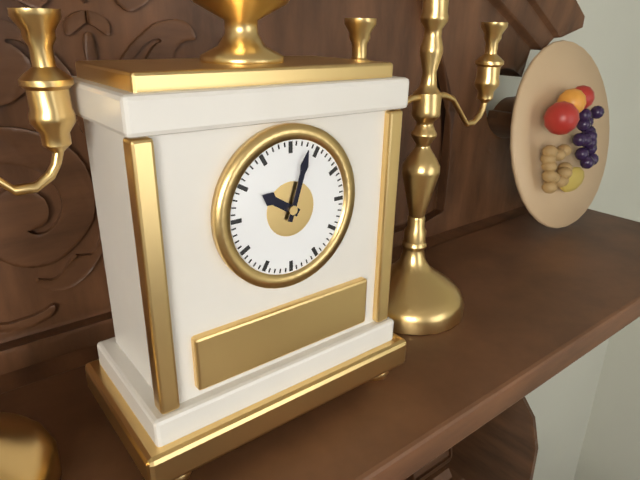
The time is 10:03
